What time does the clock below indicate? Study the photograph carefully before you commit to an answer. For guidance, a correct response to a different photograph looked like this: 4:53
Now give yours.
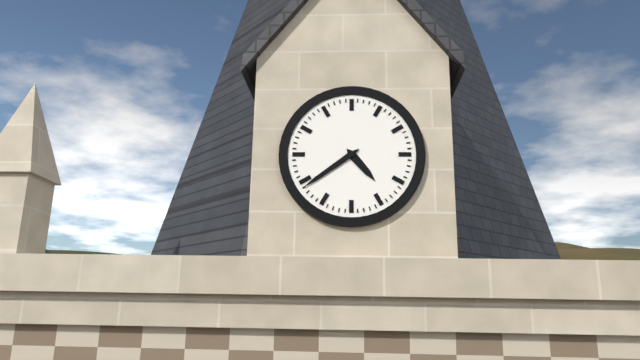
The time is 4:39
